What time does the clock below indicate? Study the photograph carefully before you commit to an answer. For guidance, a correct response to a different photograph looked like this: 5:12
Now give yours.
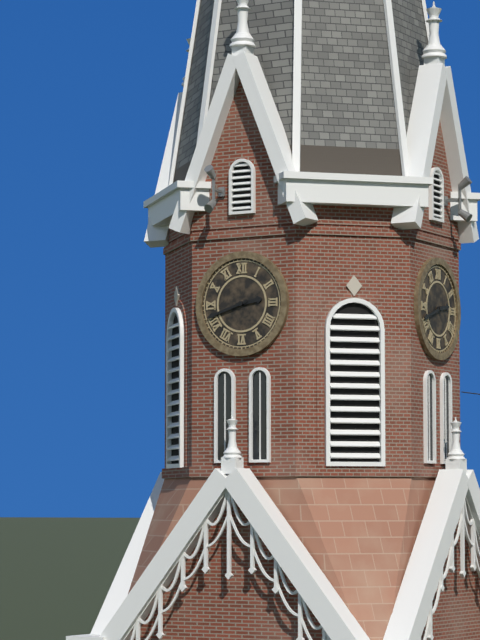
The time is 2:42
